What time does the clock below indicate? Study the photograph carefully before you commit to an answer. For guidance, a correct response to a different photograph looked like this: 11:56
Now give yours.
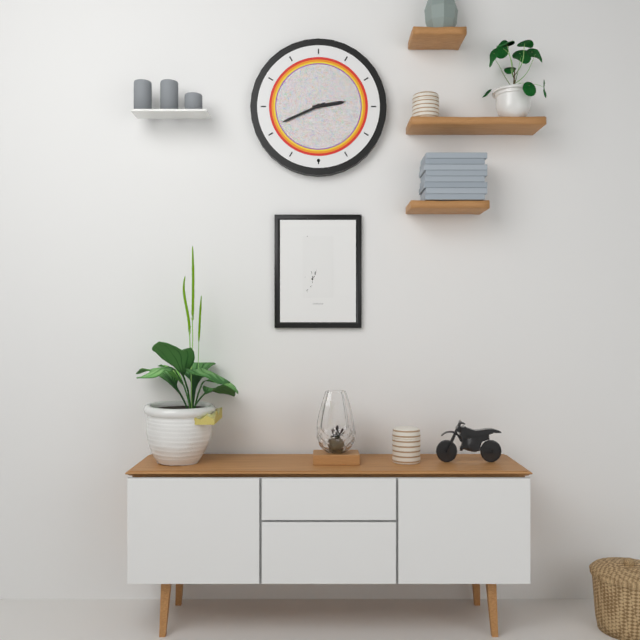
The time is 2:41
